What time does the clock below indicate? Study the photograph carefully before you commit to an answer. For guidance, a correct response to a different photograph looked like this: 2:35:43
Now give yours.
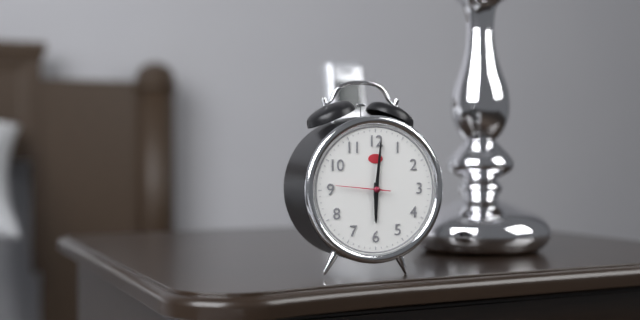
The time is 6:01:46
